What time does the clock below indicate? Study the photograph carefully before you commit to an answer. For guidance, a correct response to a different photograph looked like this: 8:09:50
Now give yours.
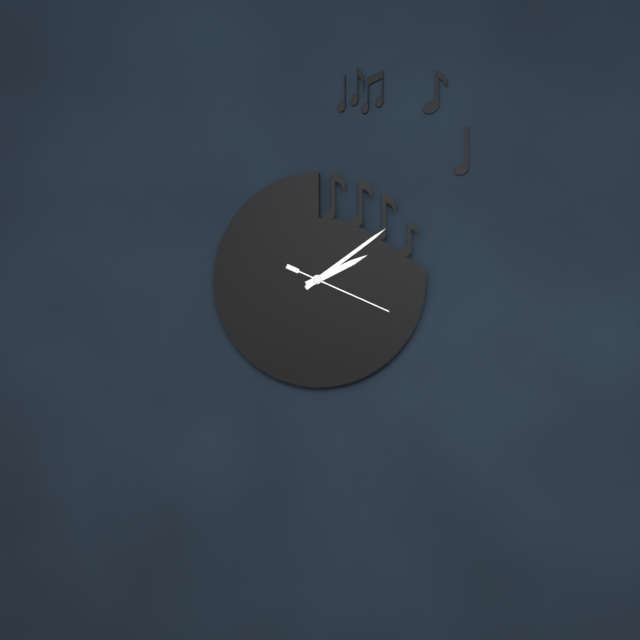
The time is 2:09:19
